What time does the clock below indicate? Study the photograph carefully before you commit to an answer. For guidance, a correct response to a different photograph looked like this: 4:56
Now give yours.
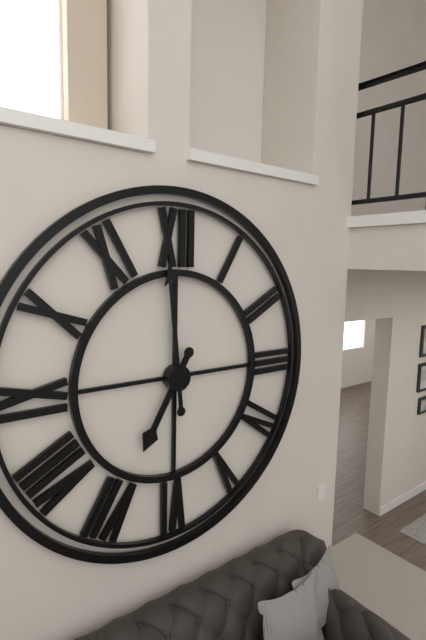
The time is 6:59
